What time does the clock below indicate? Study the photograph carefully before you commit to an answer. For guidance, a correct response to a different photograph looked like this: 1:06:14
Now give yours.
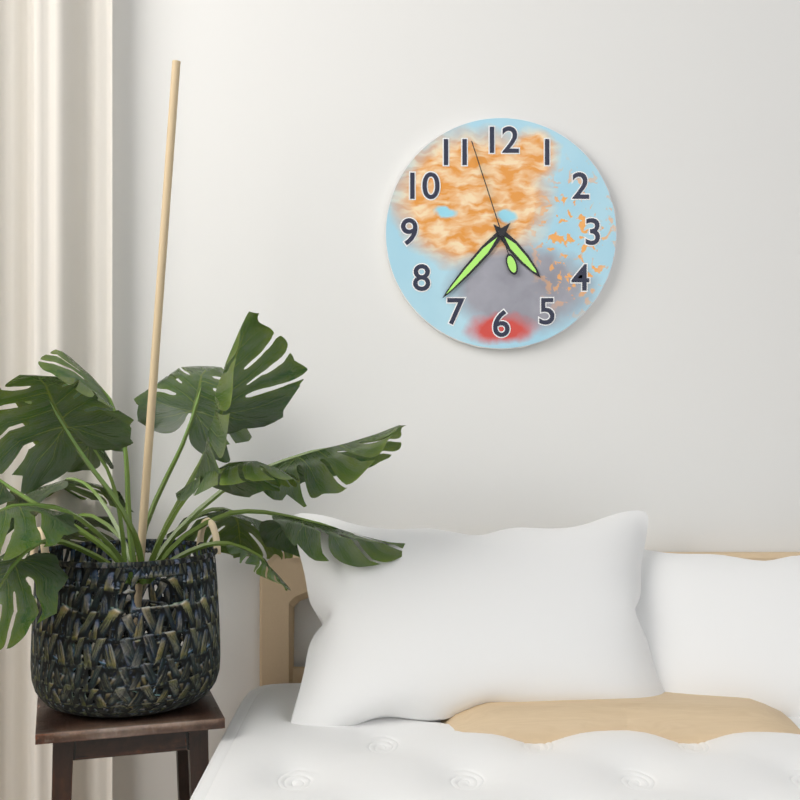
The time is 4:37:57
